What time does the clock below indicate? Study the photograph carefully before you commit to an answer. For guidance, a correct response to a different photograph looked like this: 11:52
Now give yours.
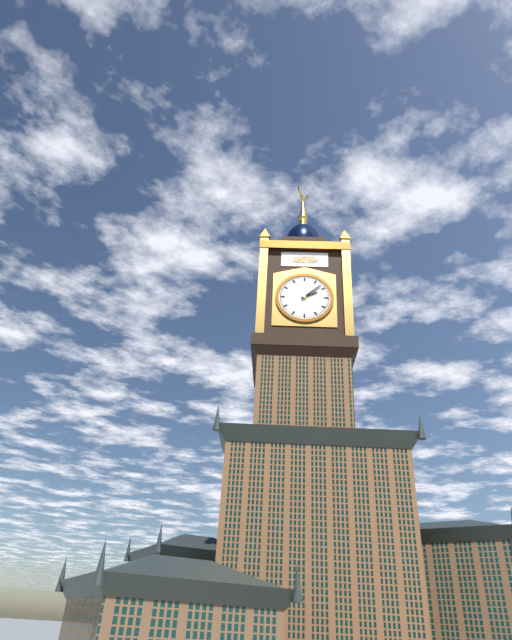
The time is 2:08
